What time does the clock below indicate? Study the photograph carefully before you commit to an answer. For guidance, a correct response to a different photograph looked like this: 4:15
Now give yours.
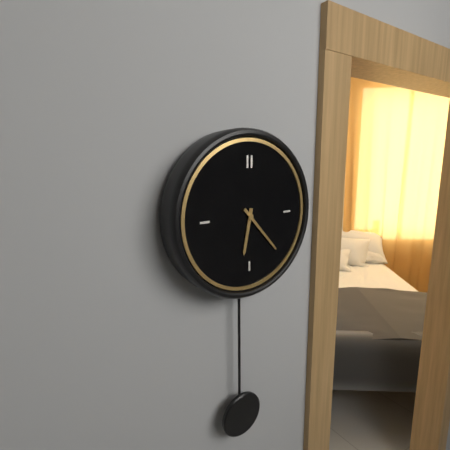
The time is 6:23
